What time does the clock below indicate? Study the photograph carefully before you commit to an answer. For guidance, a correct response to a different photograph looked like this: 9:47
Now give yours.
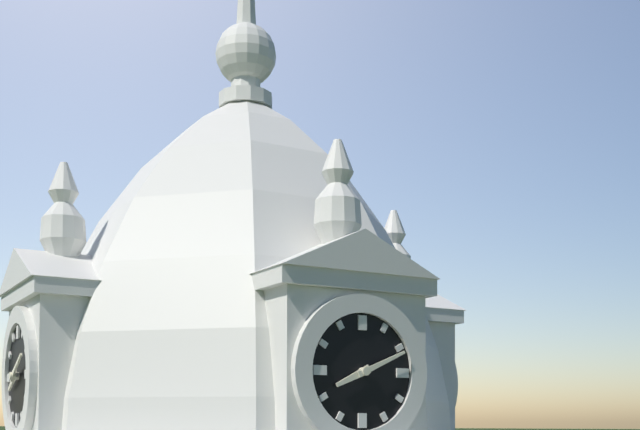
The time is 8:11
